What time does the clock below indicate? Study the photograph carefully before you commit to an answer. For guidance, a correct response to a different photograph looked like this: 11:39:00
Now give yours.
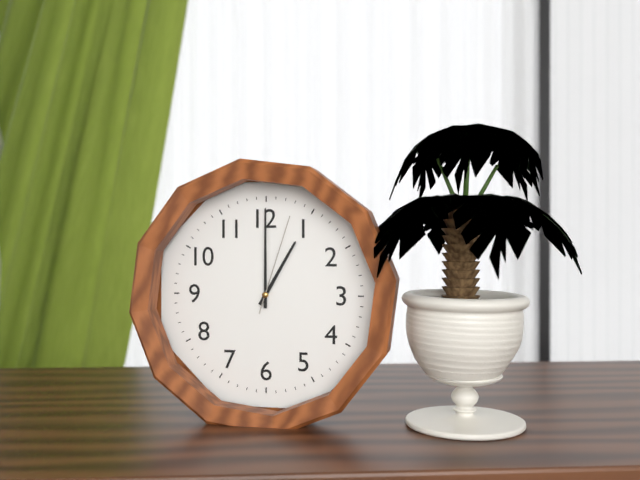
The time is 1:00:03
